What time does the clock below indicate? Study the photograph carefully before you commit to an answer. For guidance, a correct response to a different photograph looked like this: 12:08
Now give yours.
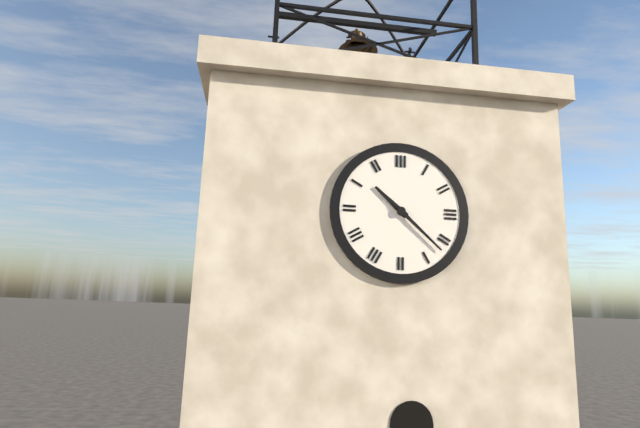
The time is 10:22
